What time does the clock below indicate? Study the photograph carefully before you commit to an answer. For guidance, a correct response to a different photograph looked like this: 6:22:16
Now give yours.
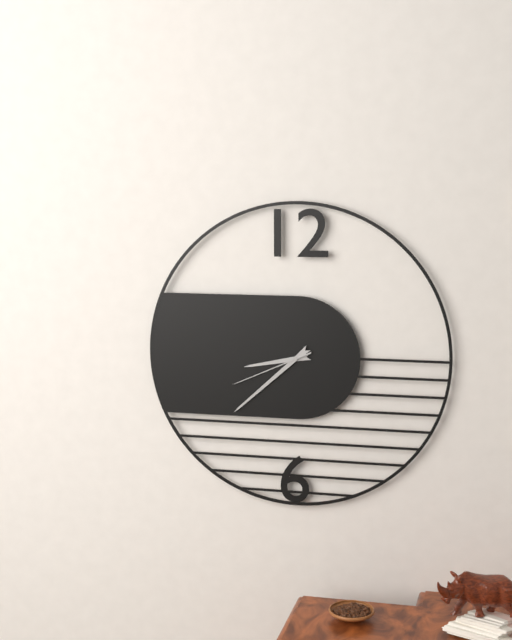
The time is 8:38:41
